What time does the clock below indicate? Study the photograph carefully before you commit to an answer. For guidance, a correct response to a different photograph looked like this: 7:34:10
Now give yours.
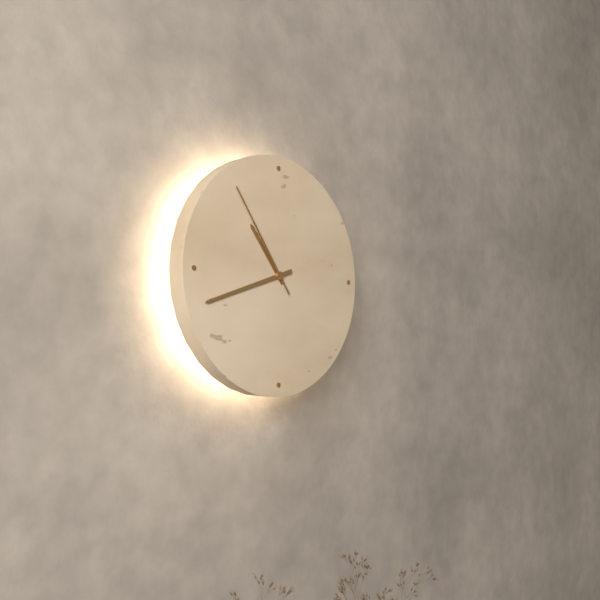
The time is 10:42:54
